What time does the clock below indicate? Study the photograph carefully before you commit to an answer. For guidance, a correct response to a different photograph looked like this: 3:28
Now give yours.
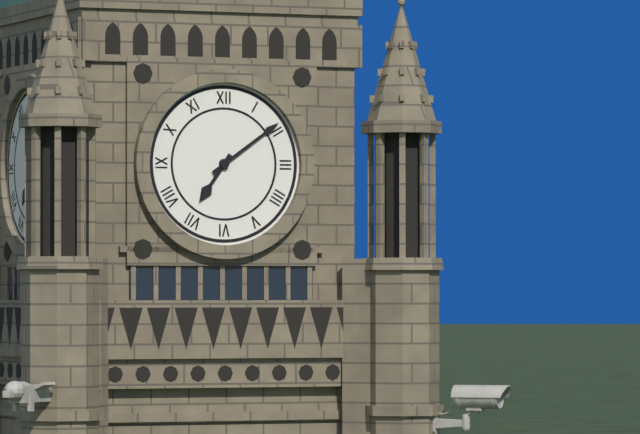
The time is 7:09
